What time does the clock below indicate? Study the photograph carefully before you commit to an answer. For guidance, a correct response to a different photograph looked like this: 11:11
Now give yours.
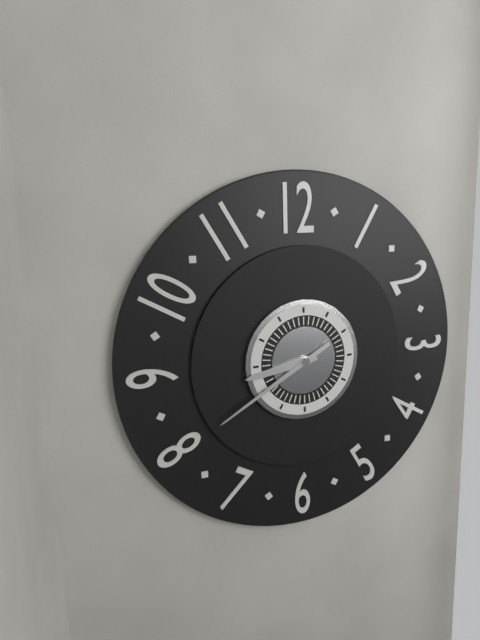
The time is 8:40
